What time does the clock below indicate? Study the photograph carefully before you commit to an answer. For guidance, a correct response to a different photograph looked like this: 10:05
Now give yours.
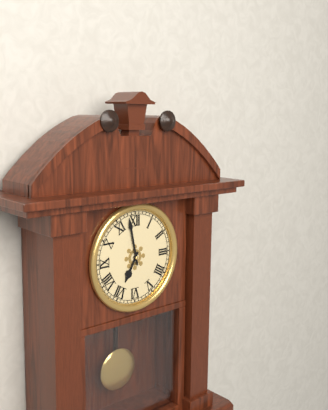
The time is 6:58
